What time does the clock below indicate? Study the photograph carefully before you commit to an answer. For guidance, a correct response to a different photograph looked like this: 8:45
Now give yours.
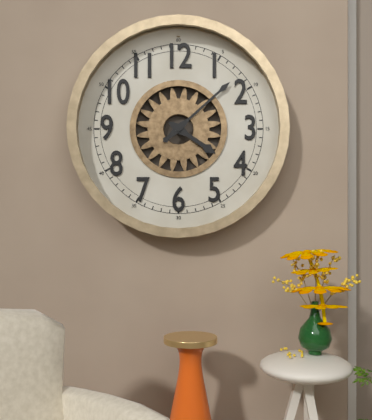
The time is 4:08
